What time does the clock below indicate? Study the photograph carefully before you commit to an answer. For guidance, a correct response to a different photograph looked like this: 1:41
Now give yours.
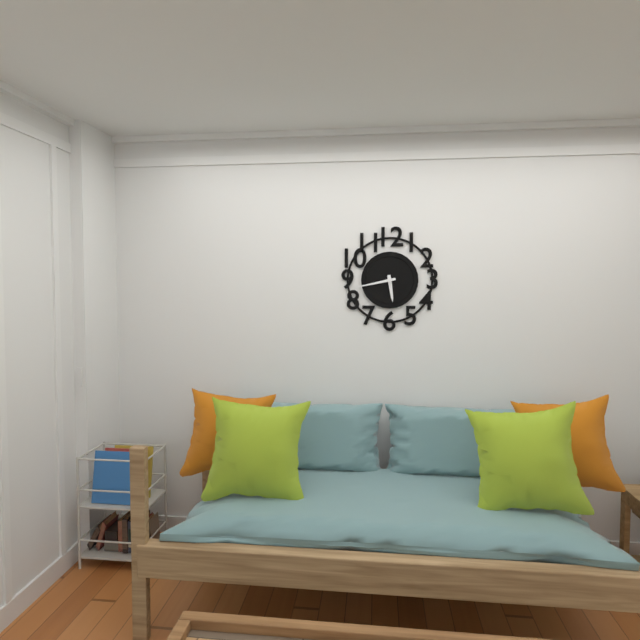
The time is 5:43
